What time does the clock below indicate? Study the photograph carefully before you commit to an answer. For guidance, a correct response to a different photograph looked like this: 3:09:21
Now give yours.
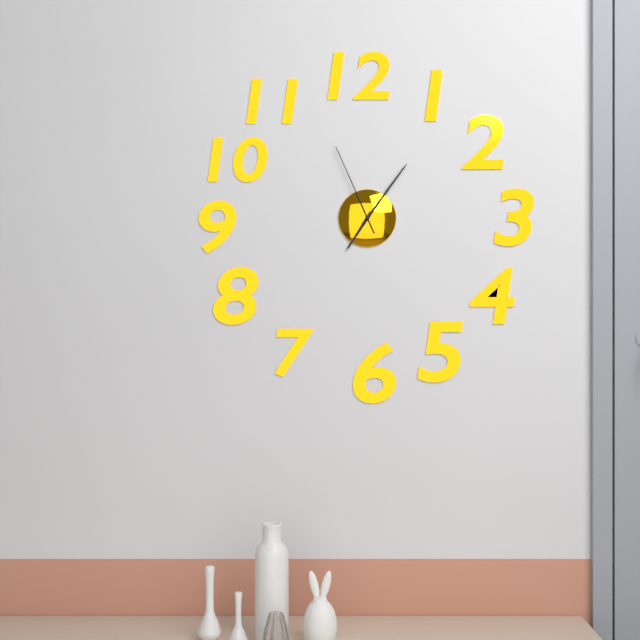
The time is 7:06:56
